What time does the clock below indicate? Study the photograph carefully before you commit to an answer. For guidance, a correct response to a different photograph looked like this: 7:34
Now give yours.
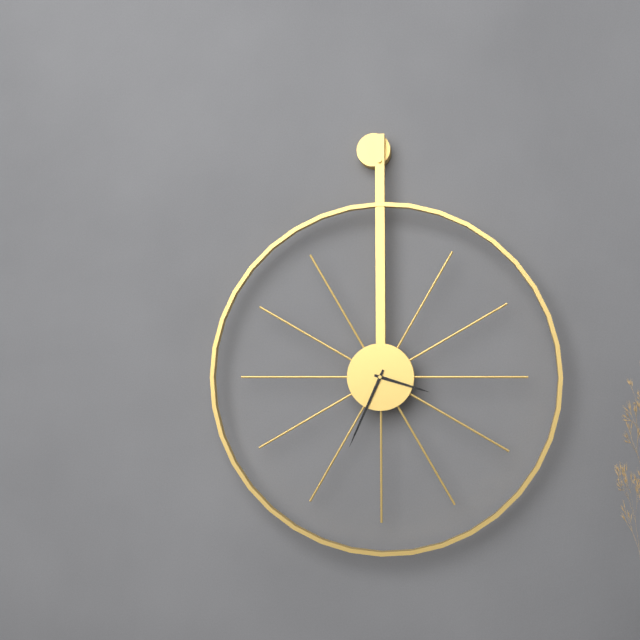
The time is 3:34
